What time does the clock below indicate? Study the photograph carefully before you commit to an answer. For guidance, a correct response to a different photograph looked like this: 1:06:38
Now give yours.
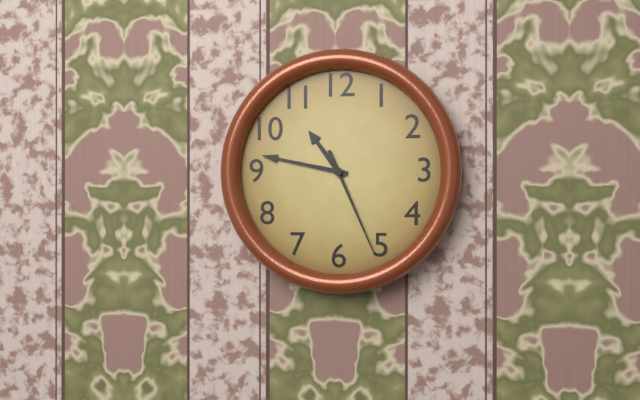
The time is 10:47:26
